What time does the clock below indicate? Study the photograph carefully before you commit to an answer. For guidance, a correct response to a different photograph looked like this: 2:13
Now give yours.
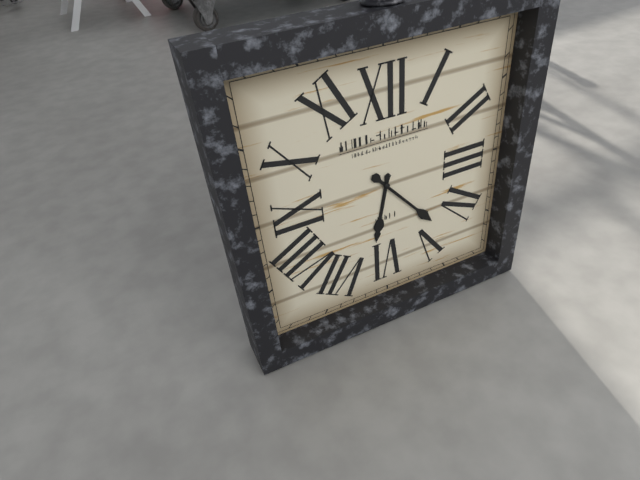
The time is 6:23
